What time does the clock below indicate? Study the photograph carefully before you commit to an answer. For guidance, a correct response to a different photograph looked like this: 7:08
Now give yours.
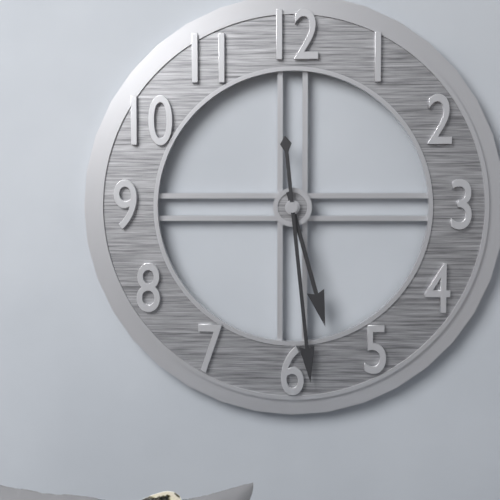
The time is 5:29
